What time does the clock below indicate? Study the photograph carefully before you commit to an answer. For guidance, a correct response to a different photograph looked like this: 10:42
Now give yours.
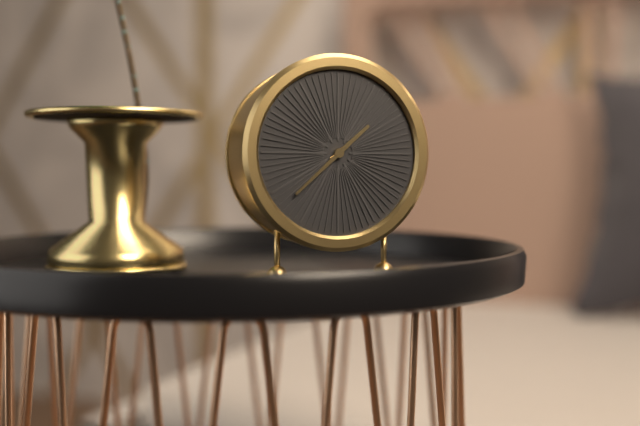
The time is 1:38
